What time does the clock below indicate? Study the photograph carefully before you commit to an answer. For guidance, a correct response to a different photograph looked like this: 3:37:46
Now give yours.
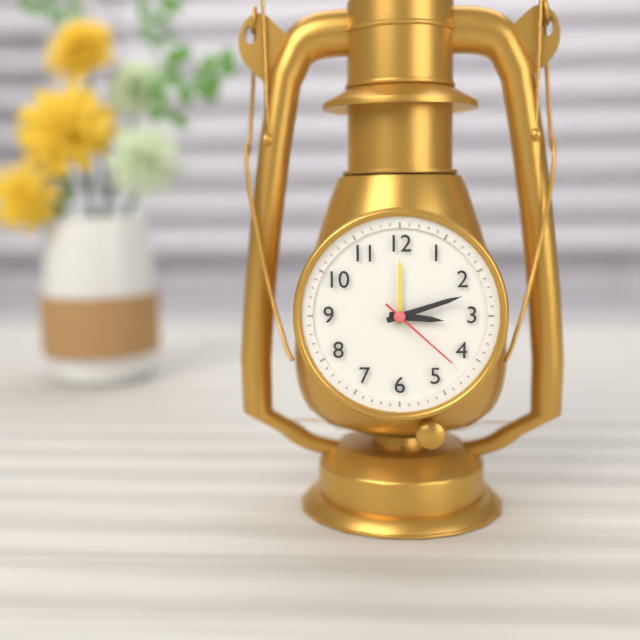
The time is 3:12:22
